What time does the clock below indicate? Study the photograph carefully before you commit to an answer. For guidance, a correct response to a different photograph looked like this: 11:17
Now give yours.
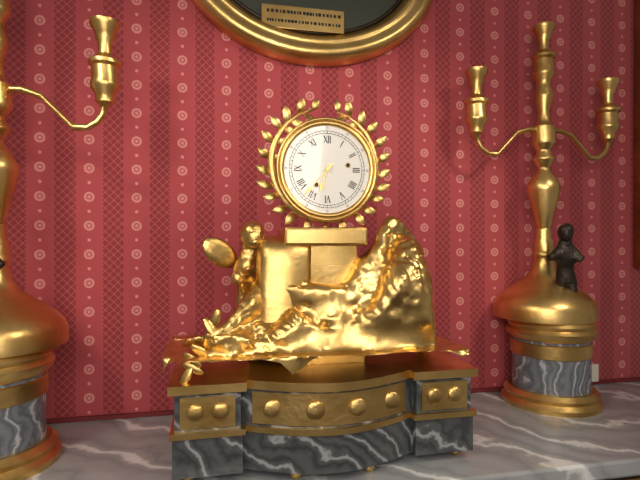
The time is 6:37
